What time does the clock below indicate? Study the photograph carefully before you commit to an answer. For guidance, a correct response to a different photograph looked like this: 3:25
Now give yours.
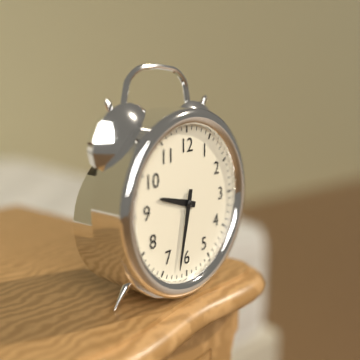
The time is 9:32
